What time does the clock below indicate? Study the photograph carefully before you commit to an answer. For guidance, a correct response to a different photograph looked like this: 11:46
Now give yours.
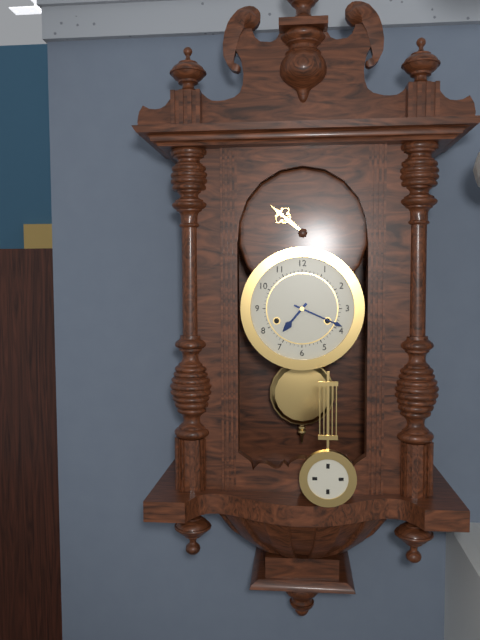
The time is 7:19
